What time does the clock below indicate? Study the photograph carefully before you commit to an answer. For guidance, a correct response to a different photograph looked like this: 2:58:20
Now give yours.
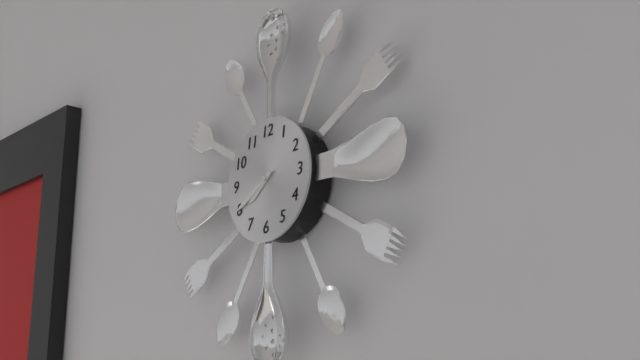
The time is 7:40:41
